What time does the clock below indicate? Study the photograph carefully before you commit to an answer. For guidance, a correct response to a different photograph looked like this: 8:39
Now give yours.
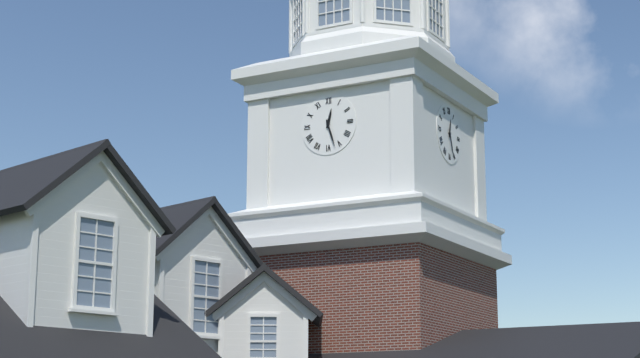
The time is 12:27
